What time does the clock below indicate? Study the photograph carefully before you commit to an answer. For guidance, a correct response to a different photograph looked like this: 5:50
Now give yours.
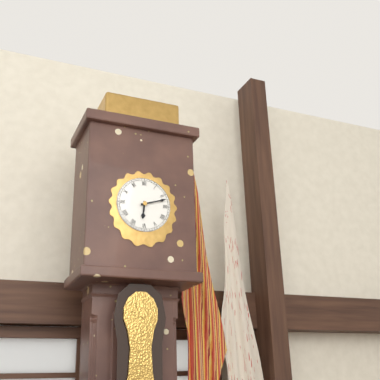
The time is 6:12
